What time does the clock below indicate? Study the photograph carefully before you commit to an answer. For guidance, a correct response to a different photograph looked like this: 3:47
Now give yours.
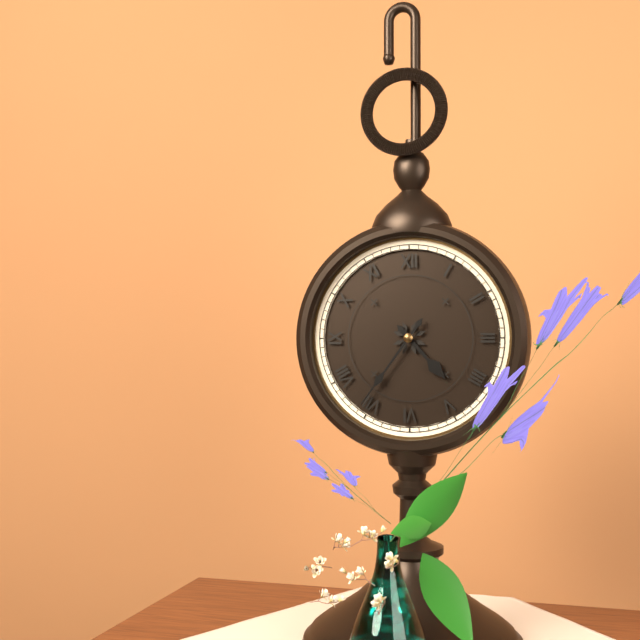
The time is 4:36
